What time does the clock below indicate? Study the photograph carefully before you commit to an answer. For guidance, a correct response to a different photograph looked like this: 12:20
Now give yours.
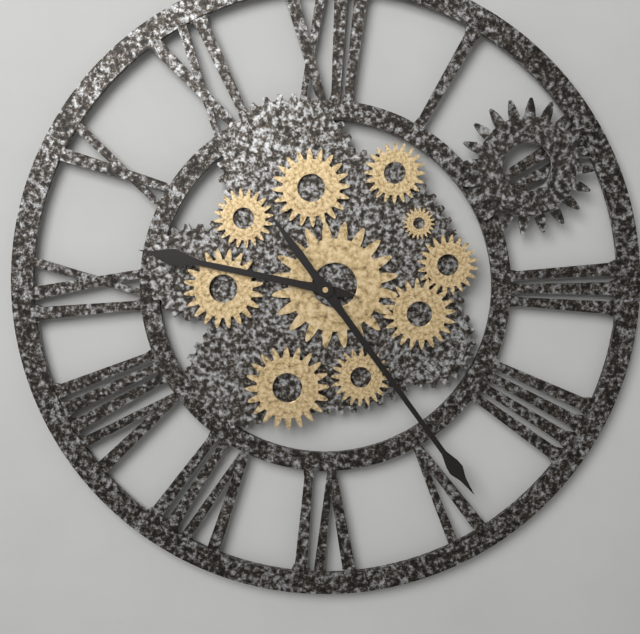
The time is 9:24
